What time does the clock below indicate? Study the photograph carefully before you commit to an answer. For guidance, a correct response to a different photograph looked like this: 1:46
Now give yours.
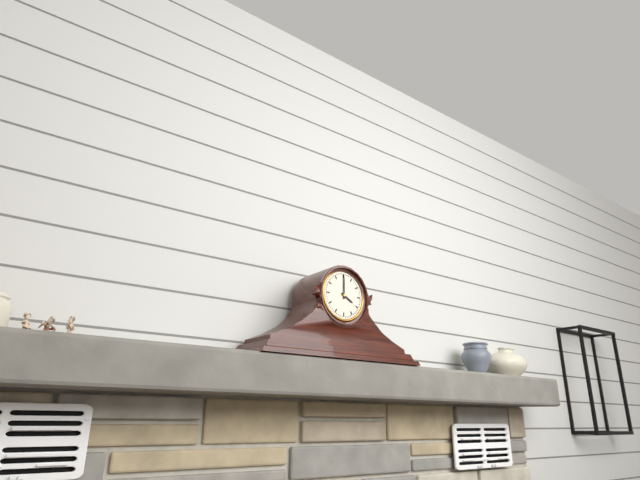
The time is 4:00
